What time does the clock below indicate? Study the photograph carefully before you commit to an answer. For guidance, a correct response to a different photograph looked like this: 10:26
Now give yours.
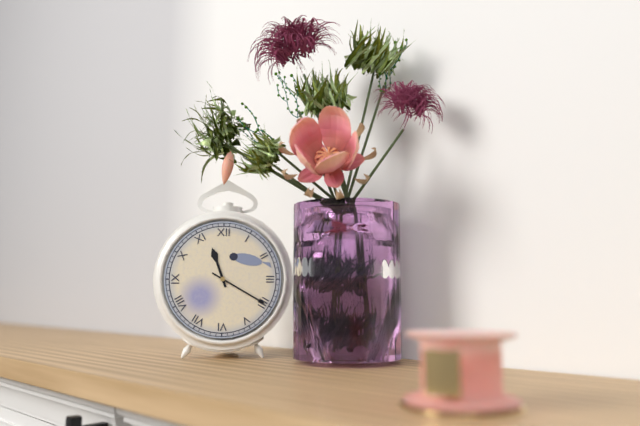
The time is 11:20
